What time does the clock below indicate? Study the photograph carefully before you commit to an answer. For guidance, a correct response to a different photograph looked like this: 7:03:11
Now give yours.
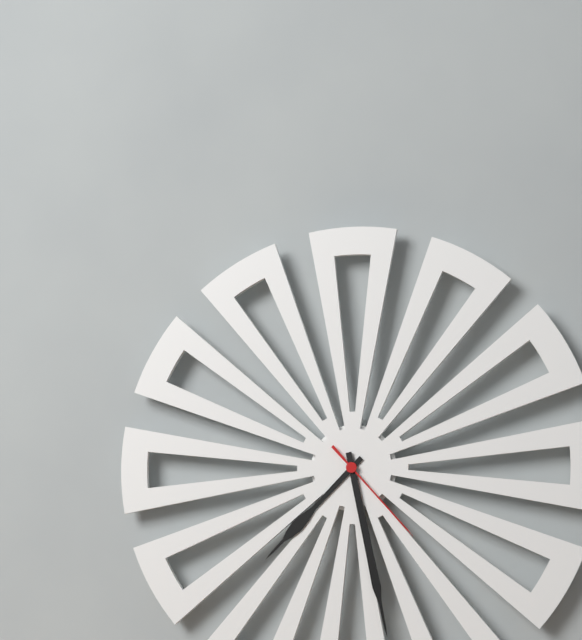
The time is 7:28:23
